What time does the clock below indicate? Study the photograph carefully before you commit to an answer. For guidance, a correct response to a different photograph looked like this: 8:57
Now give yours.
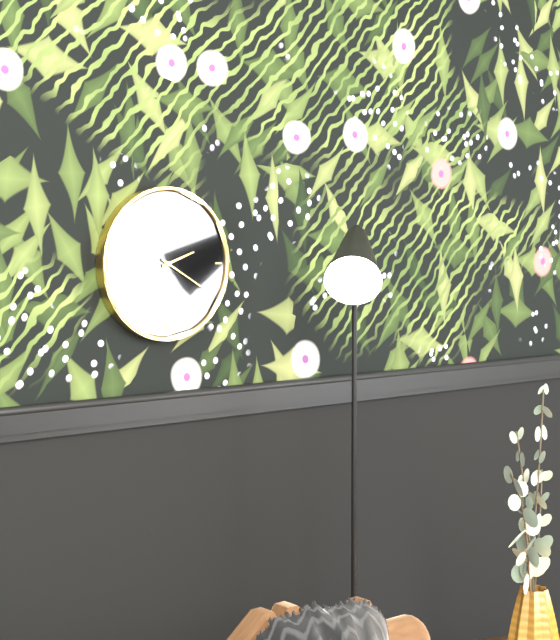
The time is 2:20
